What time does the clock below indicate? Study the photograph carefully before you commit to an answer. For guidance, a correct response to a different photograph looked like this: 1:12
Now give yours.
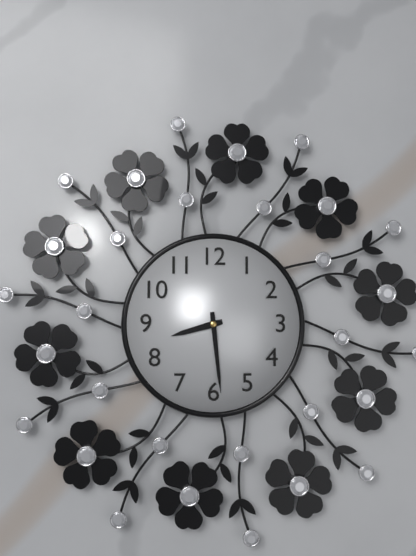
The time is 8:29
